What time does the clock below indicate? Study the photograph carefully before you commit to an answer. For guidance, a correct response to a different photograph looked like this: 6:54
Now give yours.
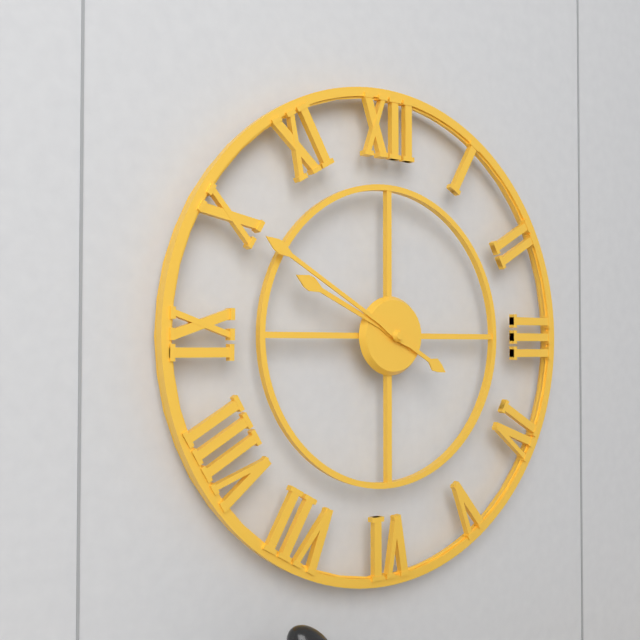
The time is 9:50
